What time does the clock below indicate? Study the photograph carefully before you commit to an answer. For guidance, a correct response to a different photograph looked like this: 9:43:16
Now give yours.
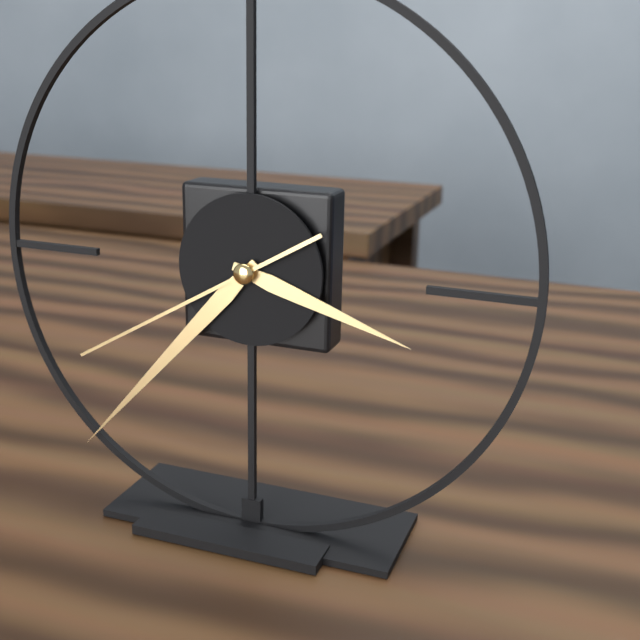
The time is 3:37:40
